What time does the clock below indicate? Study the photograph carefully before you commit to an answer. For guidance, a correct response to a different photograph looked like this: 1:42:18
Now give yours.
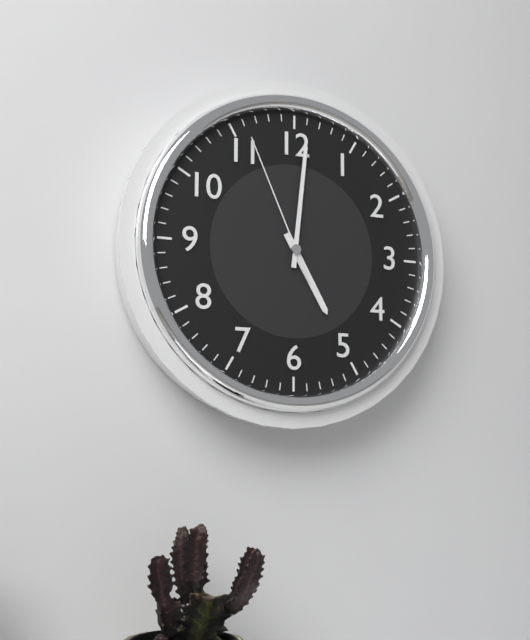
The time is 5:01:56
